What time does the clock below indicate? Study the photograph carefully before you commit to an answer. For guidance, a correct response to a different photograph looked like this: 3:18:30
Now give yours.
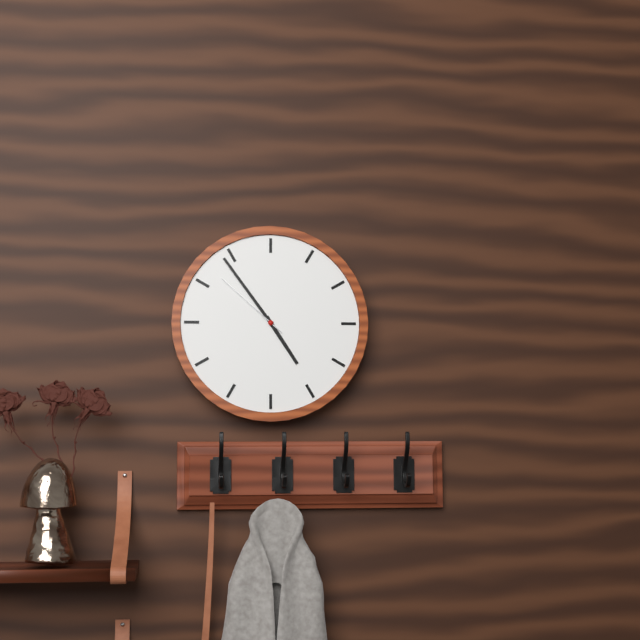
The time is 4:54:52
